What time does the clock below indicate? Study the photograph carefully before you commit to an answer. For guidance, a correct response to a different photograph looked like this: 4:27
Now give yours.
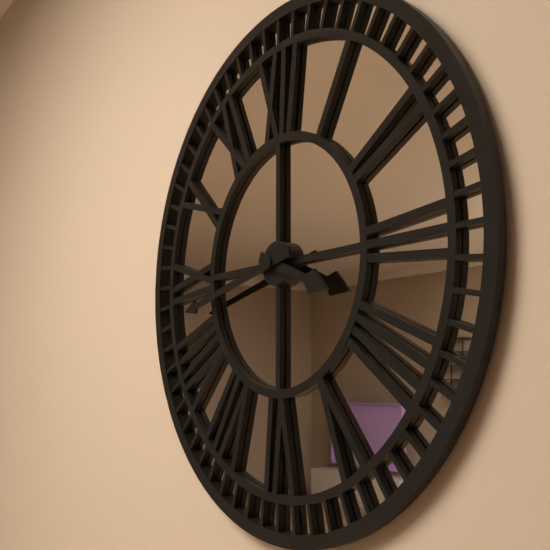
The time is 3:43
